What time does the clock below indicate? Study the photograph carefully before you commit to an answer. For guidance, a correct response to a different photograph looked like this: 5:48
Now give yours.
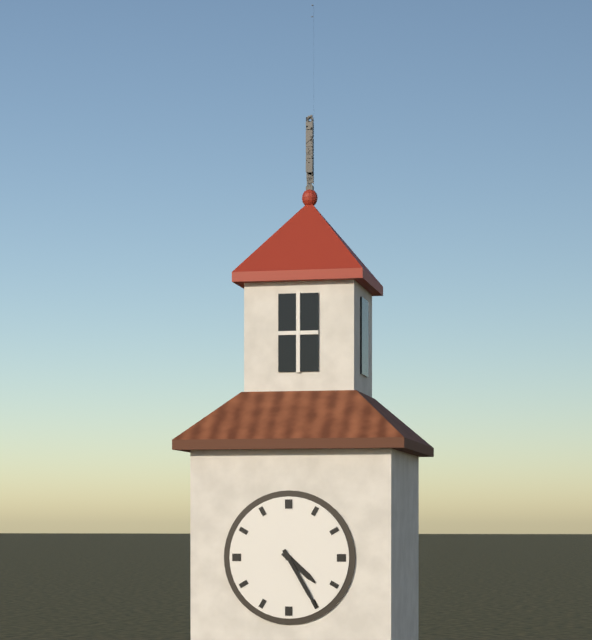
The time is 4:25
